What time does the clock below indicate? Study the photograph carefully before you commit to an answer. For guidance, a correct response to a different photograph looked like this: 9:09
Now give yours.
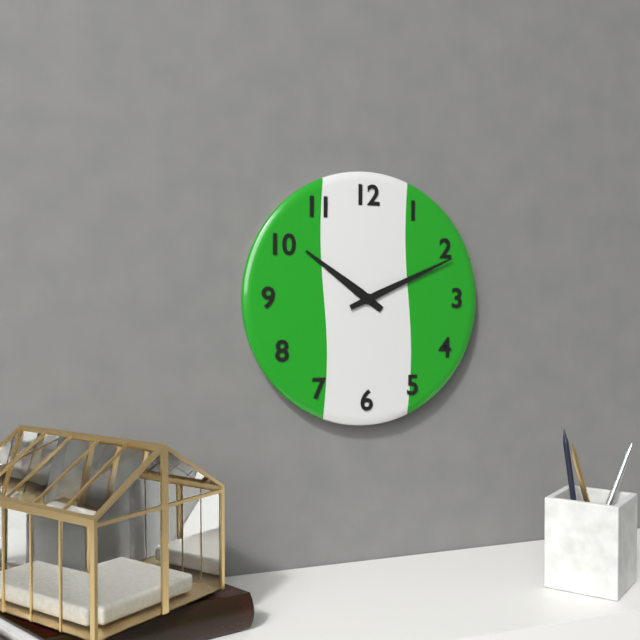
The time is 10:11
